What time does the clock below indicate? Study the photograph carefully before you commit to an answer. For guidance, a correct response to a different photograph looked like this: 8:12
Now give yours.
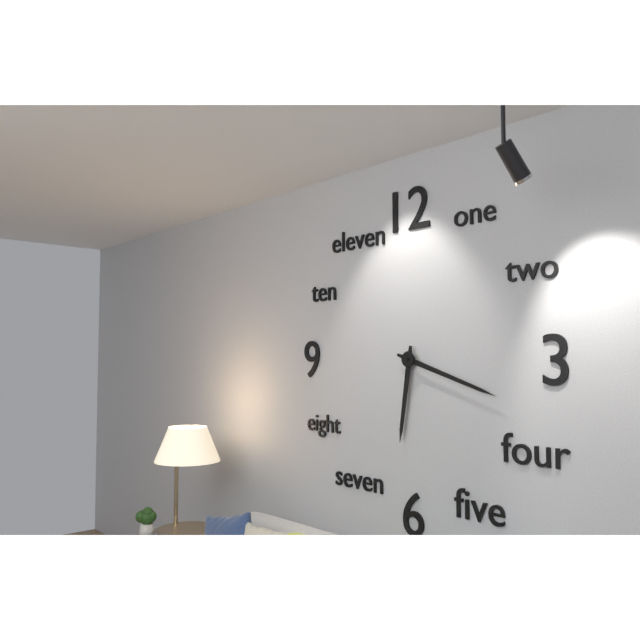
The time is 6:18
